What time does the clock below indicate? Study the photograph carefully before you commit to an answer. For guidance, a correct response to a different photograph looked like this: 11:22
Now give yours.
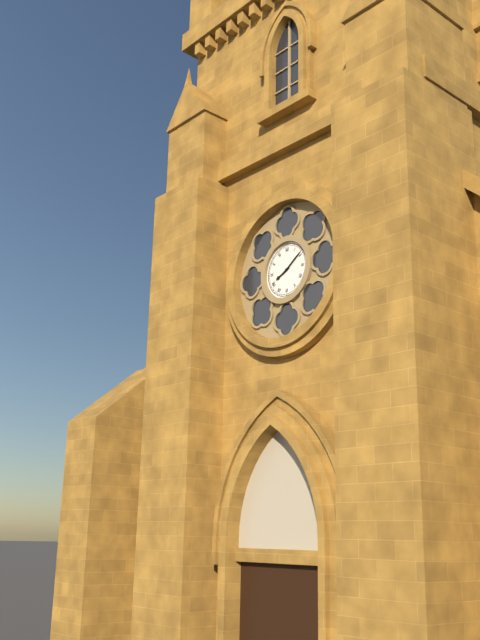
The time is 8:09
